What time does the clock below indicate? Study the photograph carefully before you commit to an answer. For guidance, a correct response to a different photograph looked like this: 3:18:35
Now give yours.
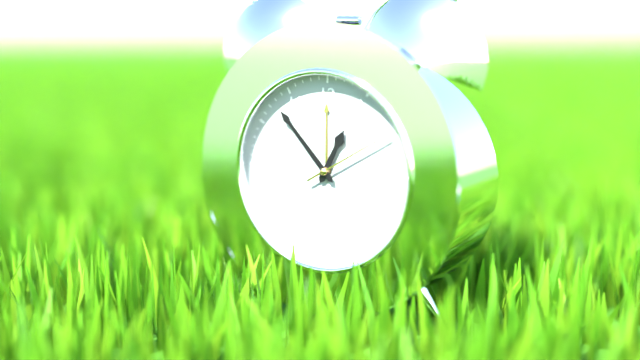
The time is 12:53:10
